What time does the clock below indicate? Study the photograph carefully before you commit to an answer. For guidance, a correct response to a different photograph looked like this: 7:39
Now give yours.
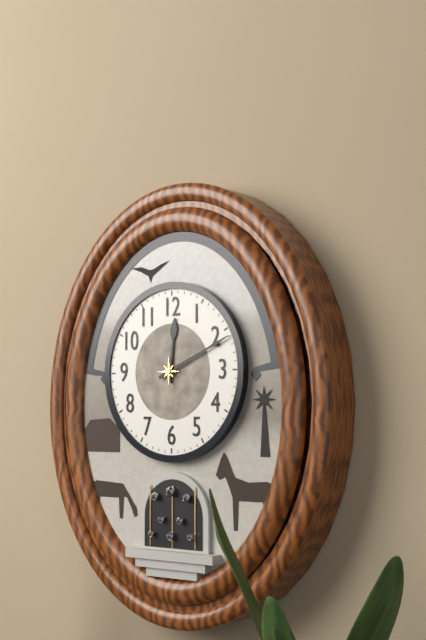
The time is 12:11
